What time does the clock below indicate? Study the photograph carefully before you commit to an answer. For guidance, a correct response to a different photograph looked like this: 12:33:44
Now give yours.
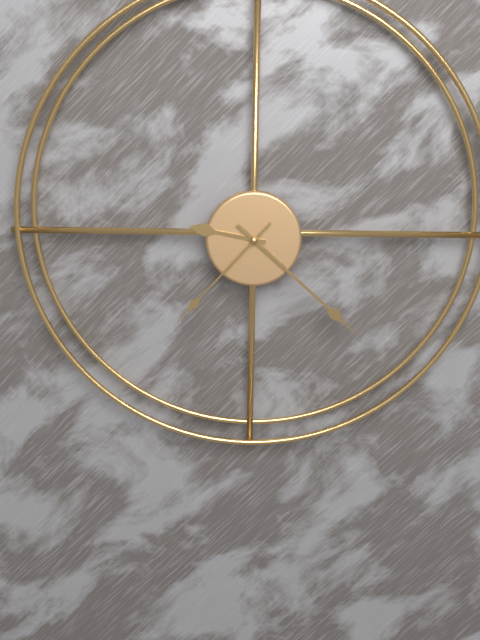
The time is 9:22:37
